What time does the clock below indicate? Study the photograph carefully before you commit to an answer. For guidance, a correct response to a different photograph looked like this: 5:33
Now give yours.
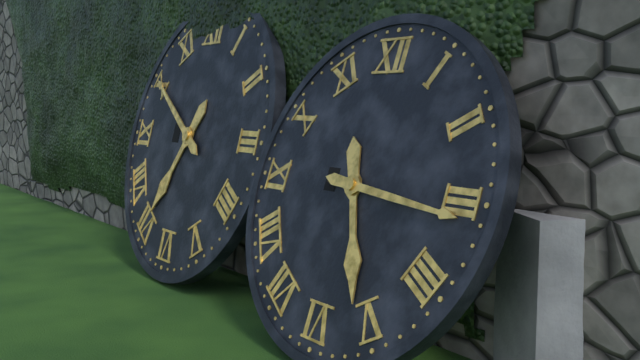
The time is 5:16
